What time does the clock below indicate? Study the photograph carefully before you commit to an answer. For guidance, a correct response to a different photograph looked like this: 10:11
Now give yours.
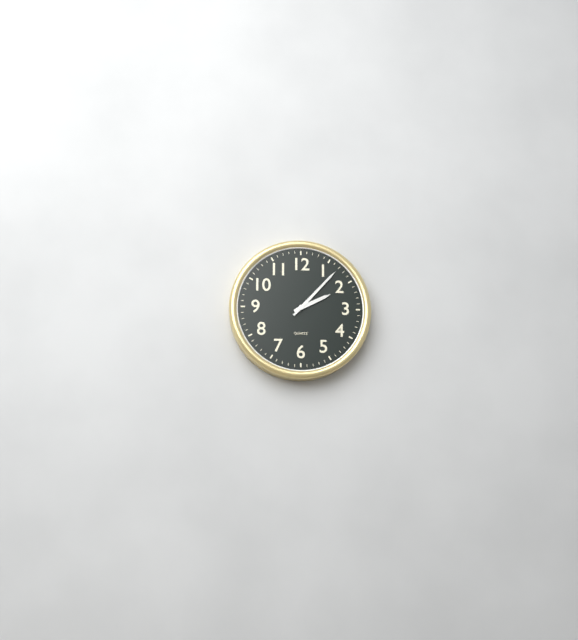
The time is 2:07
